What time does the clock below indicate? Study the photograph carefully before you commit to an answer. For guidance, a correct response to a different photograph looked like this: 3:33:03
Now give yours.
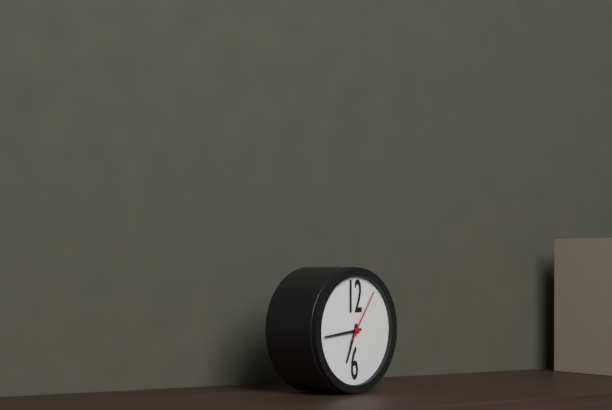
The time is 6:44:06
